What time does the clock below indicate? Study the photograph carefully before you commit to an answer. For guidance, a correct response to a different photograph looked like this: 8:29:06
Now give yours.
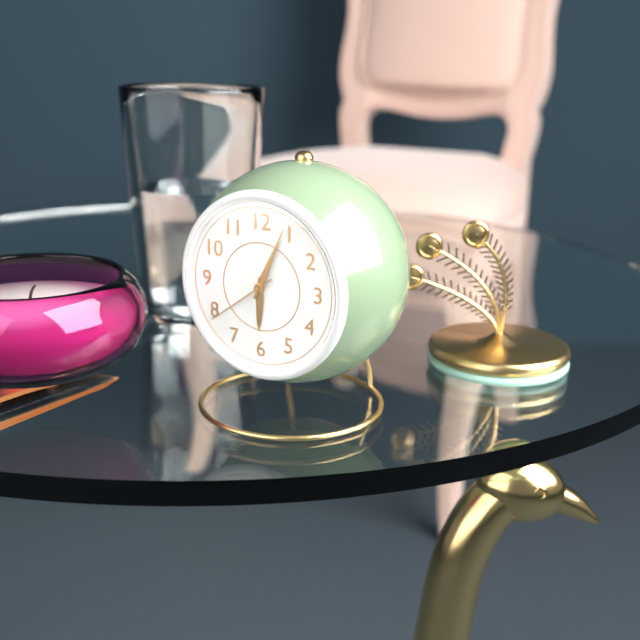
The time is 6:04:39
